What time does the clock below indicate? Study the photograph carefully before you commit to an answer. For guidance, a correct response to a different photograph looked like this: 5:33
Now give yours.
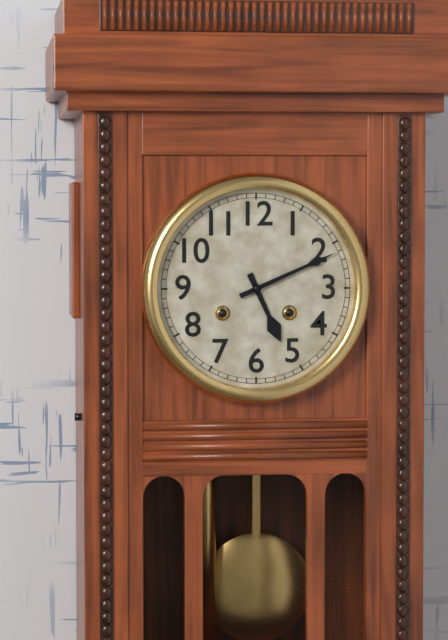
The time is 5:11
